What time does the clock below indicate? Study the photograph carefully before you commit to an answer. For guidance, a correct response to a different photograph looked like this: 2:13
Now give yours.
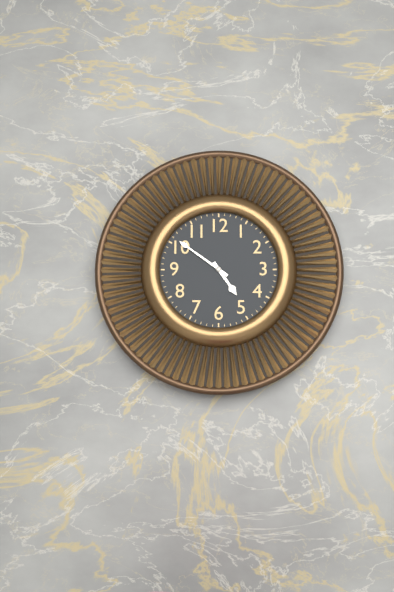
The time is 4:51
